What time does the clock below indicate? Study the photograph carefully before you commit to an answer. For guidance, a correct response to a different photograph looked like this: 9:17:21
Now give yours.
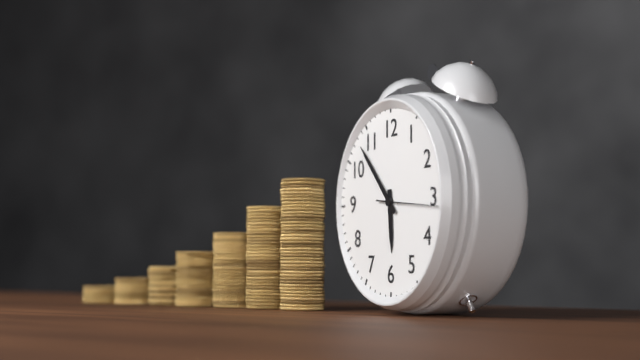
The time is 5:53:16
